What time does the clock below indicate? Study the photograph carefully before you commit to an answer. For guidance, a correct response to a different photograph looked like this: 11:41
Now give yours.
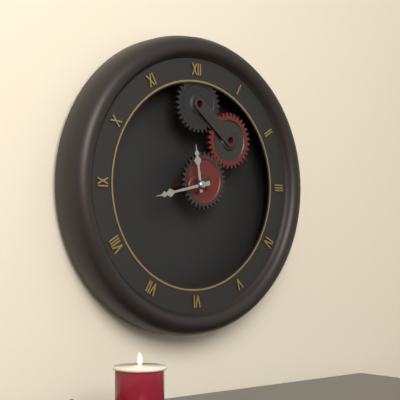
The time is 11:43
